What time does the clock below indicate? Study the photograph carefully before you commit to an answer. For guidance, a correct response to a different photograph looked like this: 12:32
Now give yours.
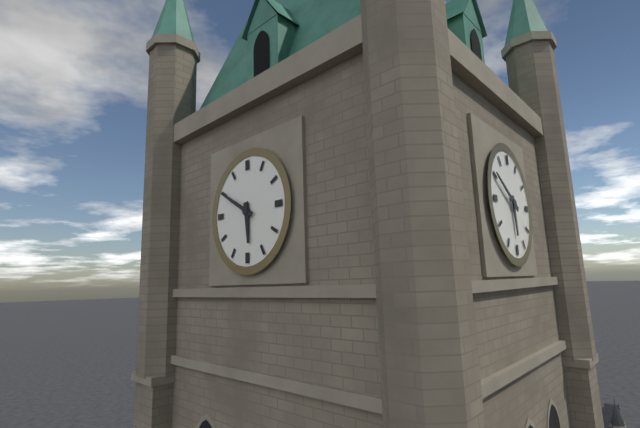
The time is 5:50
